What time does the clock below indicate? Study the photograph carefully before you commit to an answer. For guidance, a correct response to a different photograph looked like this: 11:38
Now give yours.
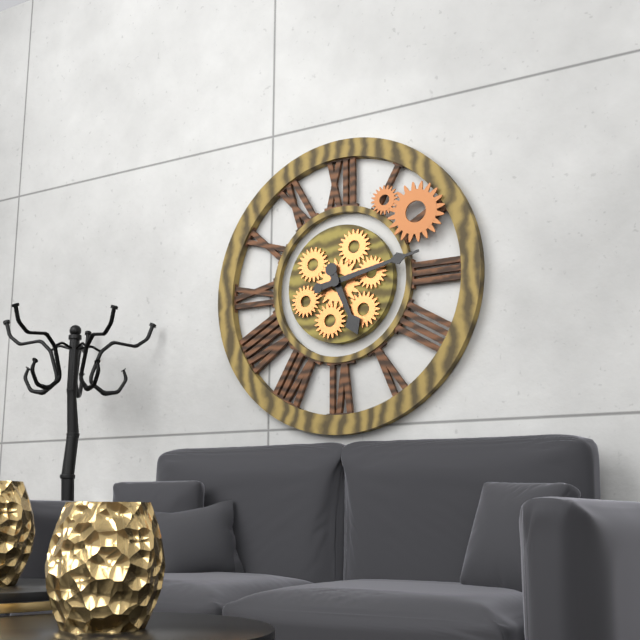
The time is 5:13
